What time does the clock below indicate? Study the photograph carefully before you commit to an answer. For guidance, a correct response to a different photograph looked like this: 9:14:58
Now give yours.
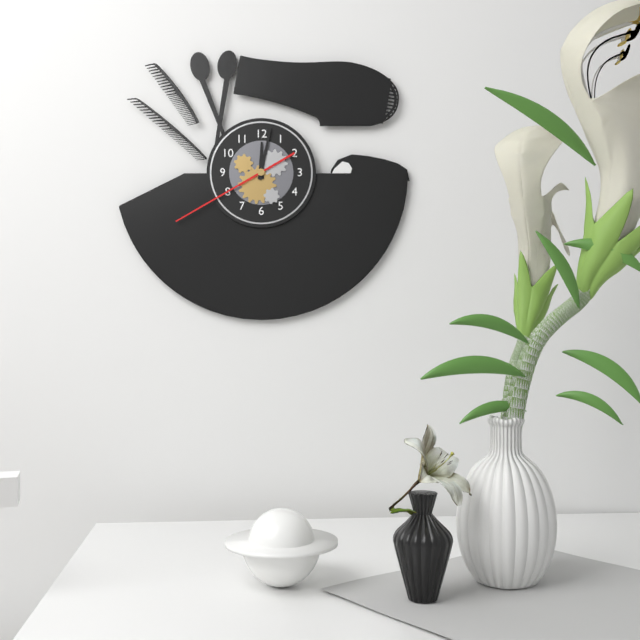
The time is 12:02:40
